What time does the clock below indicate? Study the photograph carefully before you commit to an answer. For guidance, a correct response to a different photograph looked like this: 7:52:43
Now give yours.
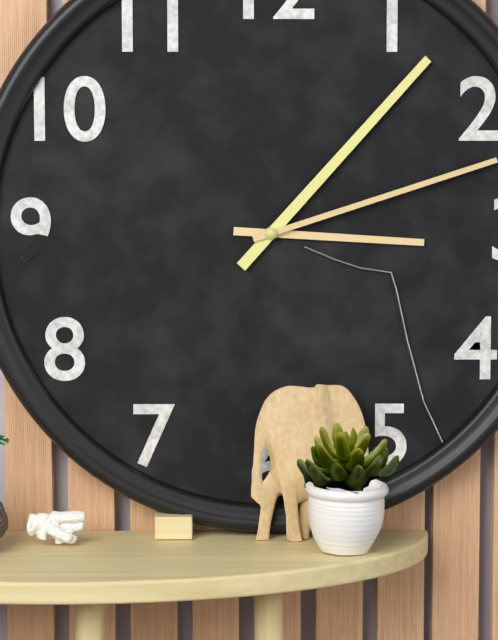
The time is 3:07:12
